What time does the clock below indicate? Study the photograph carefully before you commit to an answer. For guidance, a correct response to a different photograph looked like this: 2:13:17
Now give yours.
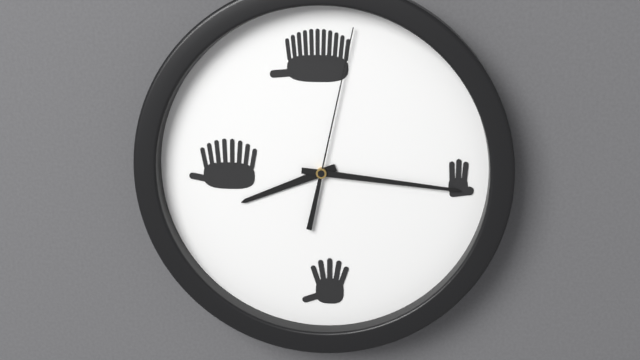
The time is 8:16:02
